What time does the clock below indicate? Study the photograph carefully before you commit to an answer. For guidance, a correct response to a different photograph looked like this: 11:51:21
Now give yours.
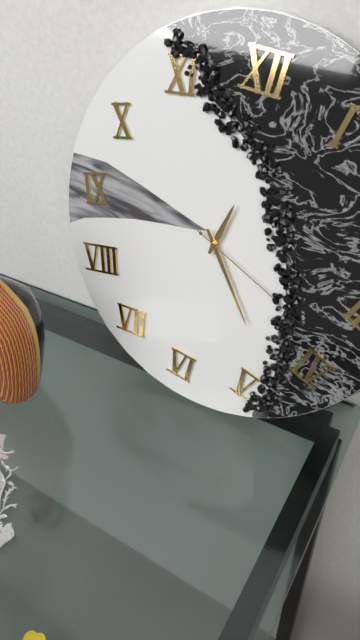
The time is 12:23:18
